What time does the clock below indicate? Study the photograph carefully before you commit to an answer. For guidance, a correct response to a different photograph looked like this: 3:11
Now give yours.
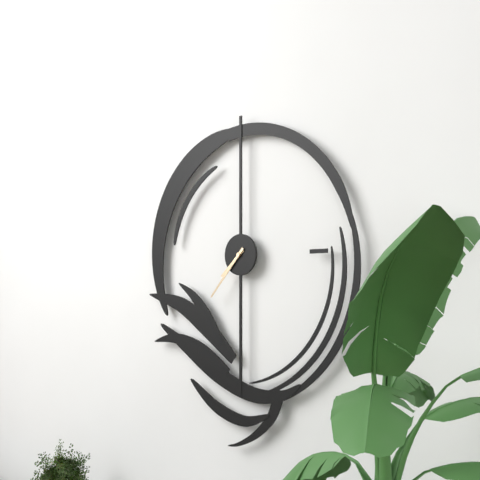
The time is 7:37
